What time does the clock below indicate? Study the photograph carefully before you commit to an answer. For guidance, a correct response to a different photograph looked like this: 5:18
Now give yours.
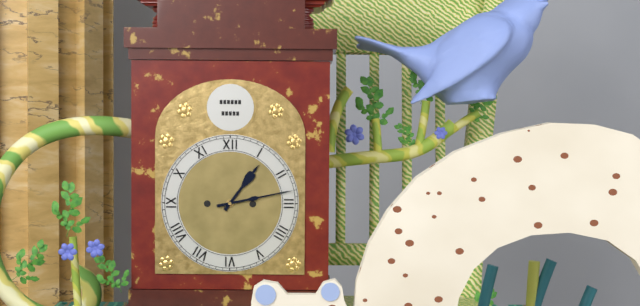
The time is 1:13
